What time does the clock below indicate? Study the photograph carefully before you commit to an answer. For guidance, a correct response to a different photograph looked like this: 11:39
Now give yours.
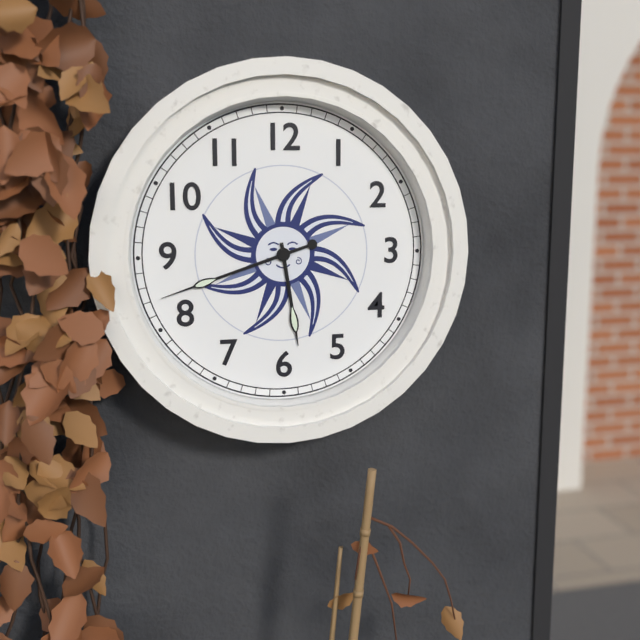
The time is 5:42
